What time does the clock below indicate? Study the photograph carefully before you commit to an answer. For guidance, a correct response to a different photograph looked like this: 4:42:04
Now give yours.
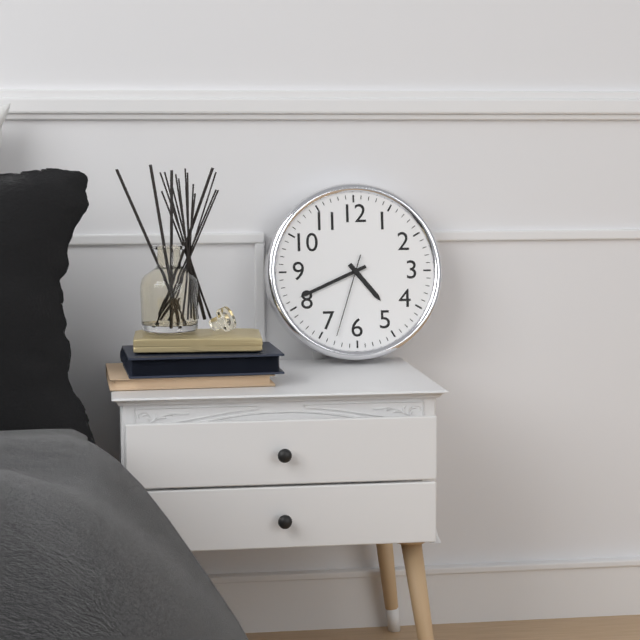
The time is 4:41:33
